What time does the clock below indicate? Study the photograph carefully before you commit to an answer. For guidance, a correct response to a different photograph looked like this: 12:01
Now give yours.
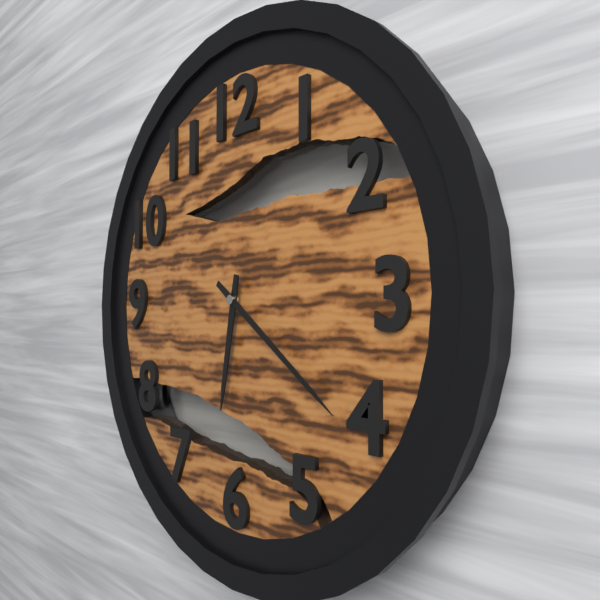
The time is 6:21
